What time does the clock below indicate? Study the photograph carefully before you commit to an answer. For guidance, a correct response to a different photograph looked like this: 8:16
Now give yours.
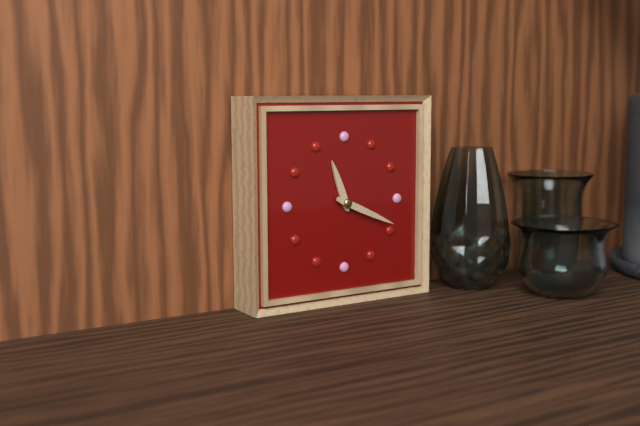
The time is 11:19
